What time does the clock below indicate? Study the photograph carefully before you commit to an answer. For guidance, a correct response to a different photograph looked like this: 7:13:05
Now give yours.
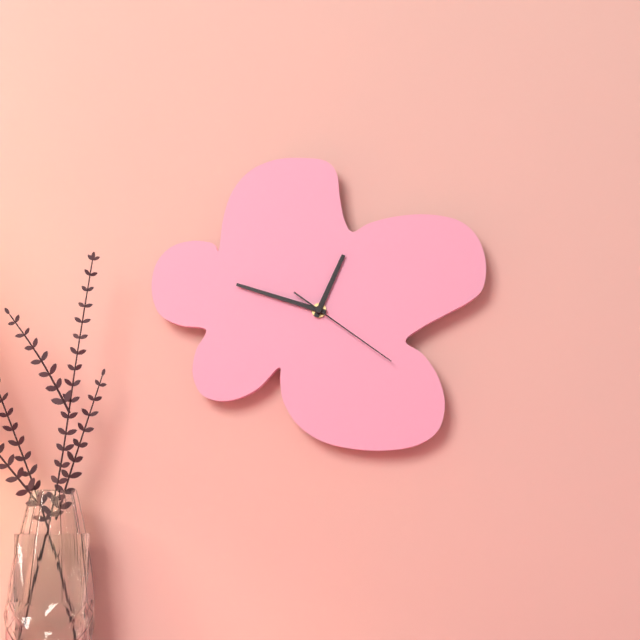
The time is 12:48:21
